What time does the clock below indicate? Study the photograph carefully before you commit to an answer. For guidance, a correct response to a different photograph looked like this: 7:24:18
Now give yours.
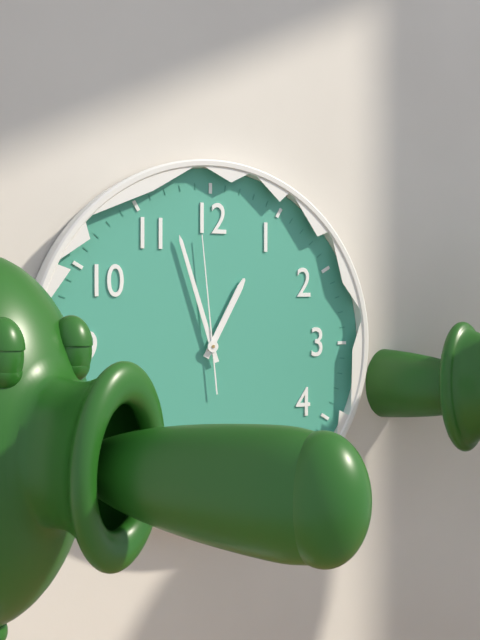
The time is 12:57:59
